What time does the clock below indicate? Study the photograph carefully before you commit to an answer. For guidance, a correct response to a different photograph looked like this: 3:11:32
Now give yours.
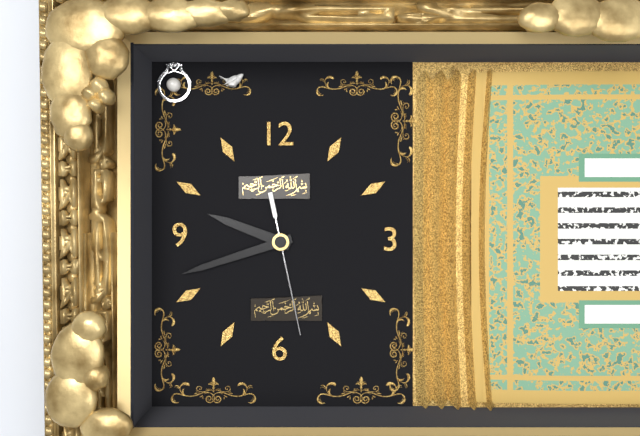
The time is 9:42:28
